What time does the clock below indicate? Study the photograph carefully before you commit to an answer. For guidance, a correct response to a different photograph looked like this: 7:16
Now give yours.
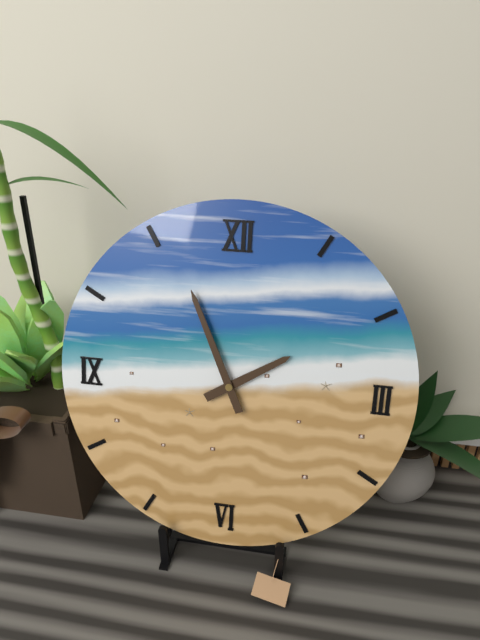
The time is 1:56
